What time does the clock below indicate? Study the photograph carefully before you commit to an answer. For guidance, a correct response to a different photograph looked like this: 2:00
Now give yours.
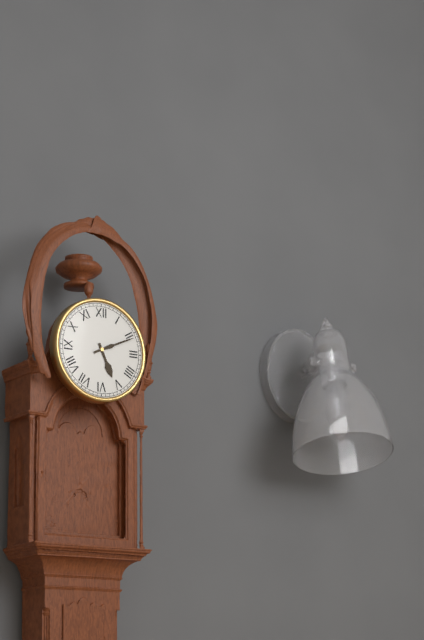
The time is 5:11
